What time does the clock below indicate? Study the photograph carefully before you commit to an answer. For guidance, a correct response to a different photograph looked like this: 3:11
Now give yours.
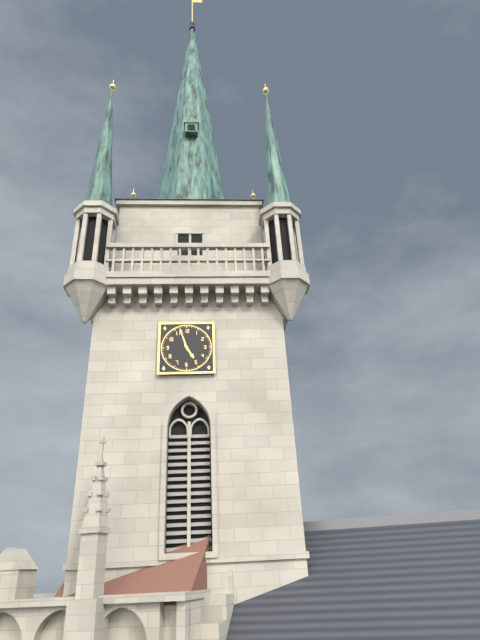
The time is 4:57
